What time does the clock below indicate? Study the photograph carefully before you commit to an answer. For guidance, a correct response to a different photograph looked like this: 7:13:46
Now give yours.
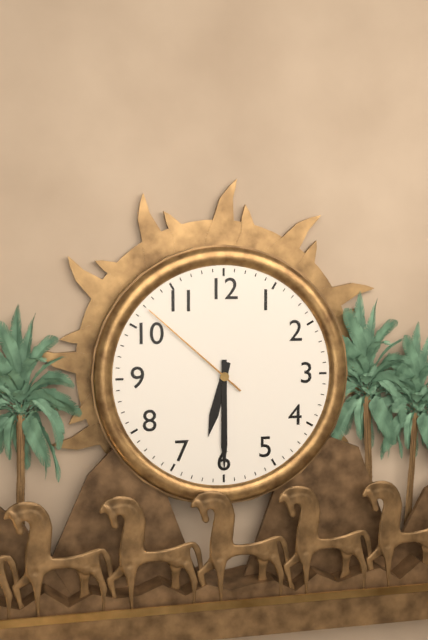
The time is 6:30:52
